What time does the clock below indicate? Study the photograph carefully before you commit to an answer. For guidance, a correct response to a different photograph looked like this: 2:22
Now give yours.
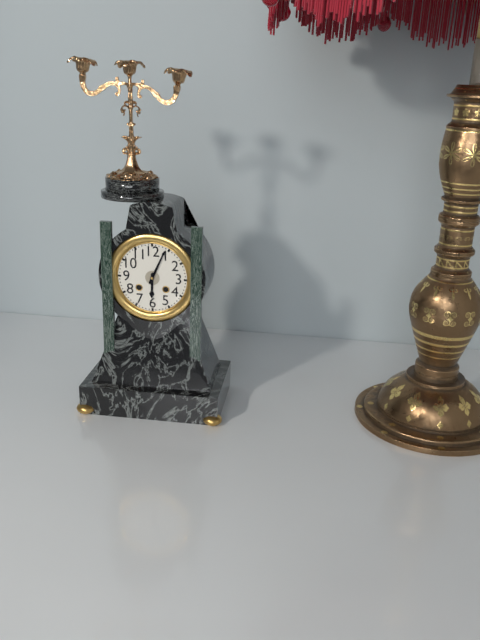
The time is 6:04
